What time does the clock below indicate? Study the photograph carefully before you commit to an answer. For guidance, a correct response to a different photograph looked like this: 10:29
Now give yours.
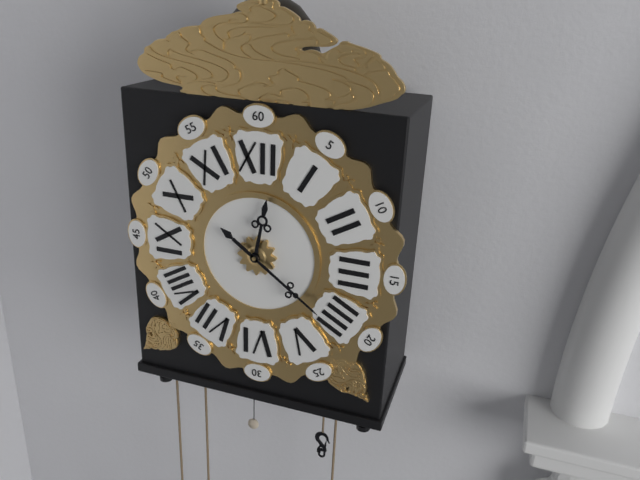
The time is 12:21
